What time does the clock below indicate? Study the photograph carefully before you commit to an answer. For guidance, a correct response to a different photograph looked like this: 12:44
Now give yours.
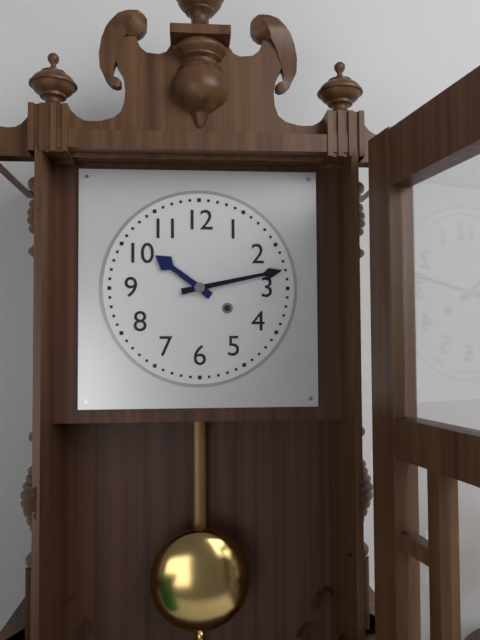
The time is 10:13
